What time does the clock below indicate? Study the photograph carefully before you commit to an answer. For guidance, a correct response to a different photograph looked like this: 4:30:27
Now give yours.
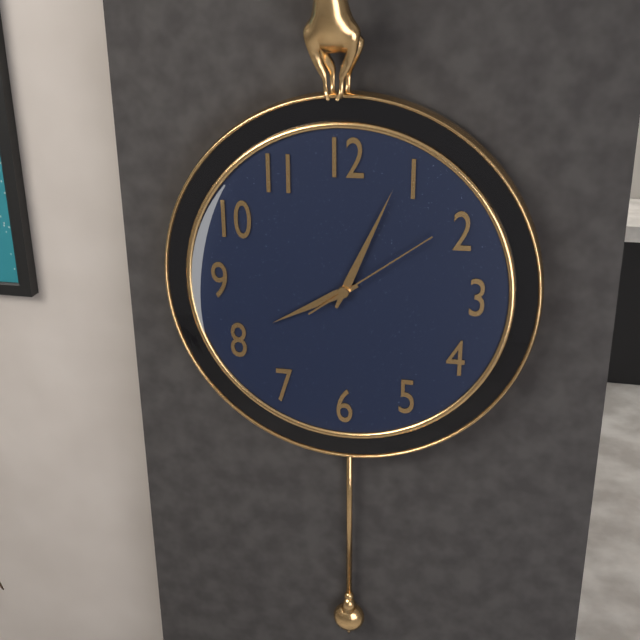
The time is 8:04:09
